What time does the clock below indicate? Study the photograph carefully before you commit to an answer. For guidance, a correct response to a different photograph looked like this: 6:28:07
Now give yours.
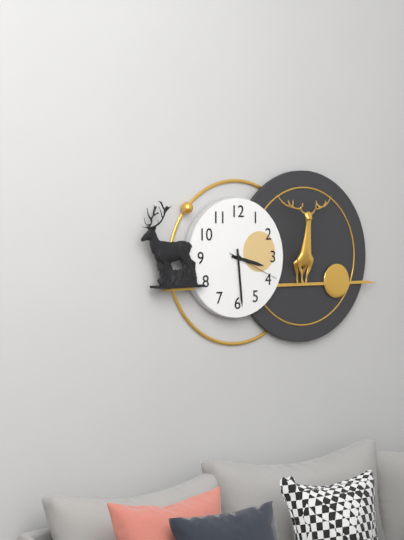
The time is 3:29:19
